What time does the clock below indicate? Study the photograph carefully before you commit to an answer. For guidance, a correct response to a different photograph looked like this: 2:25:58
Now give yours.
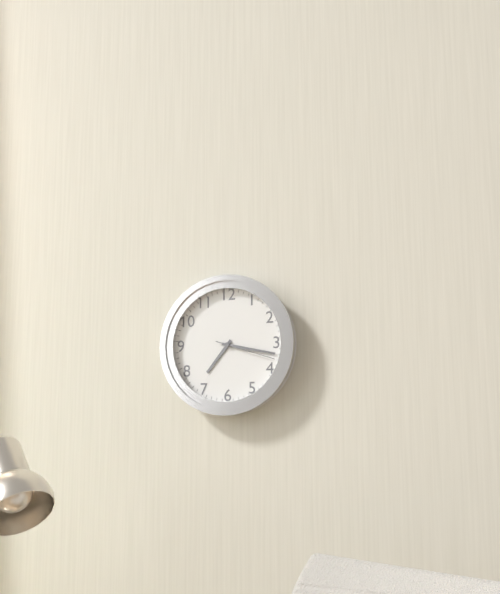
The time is 7:17:18
